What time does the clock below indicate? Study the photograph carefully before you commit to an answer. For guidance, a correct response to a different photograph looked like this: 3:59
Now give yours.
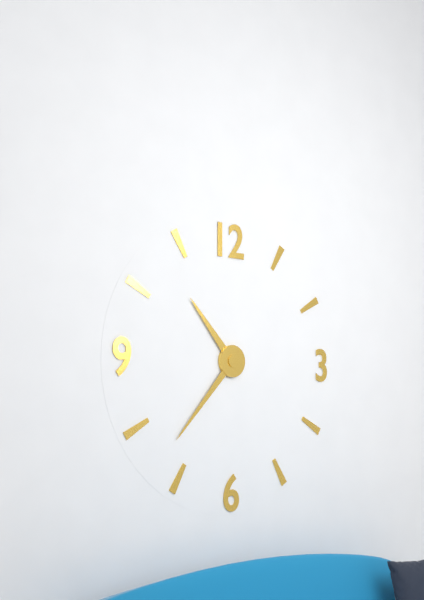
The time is 10:37
